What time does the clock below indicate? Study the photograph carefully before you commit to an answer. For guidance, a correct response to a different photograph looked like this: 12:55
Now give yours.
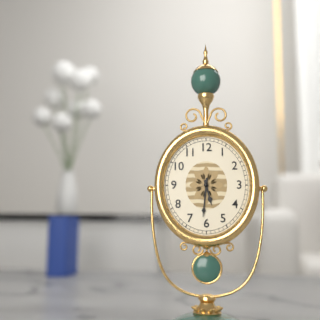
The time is 5:31
